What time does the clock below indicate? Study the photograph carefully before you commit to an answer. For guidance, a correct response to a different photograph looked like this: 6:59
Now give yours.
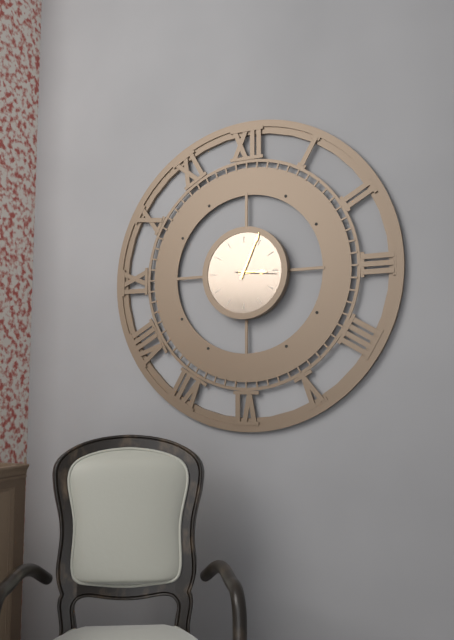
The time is 3:04
